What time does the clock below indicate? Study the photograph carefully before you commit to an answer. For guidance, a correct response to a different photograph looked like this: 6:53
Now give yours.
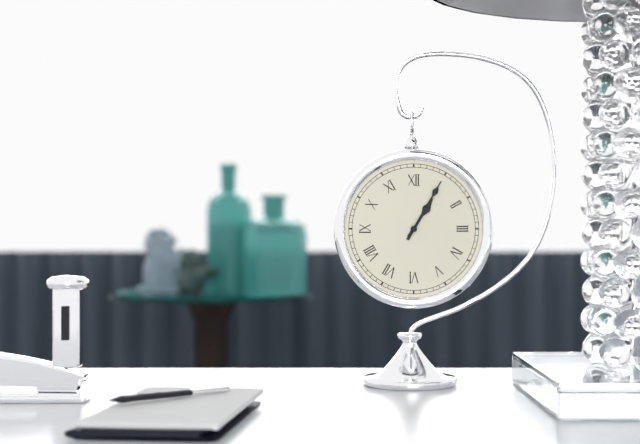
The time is 1:05
